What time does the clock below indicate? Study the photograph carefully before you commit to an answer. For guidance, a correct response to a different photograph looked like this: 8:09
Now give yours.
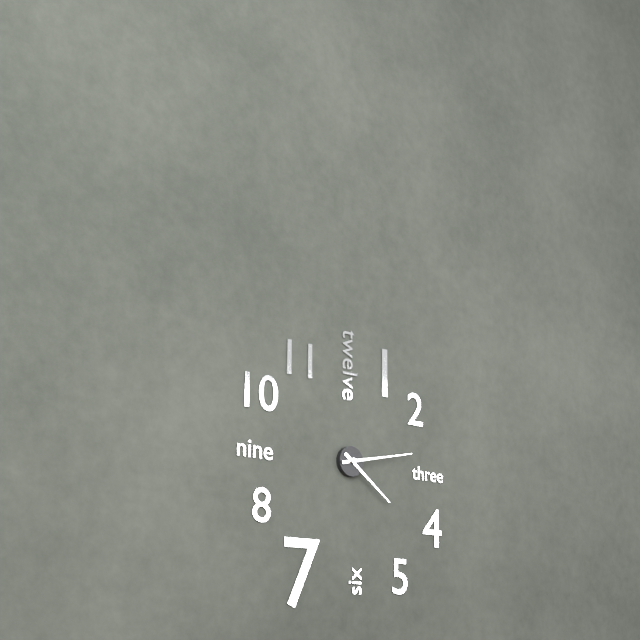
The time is 4:13
